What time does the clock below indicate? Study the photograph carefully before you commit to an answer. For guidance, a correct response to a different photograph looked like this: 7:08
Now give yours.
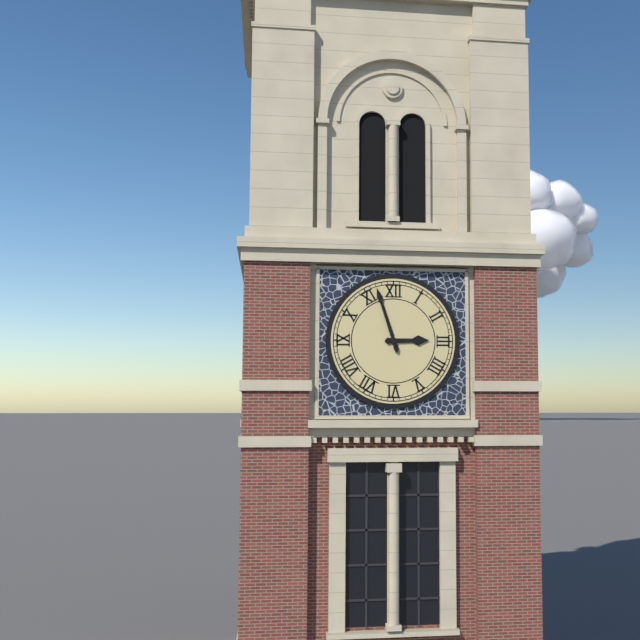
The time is 2:57
